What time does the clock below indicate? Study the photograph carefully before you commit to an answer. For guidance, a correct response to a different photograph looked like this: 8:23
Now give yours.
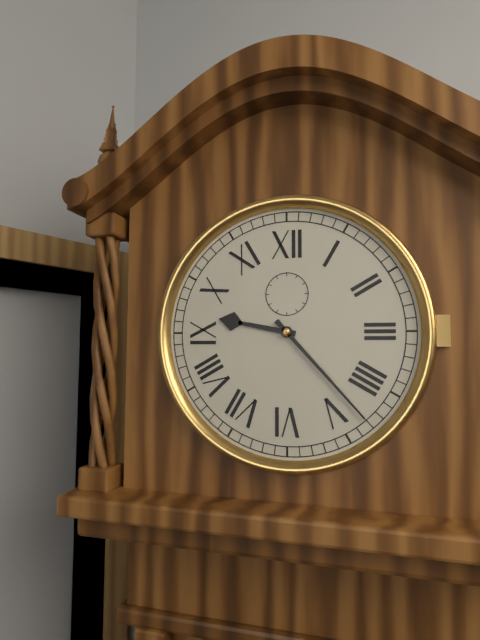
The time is 9:23
